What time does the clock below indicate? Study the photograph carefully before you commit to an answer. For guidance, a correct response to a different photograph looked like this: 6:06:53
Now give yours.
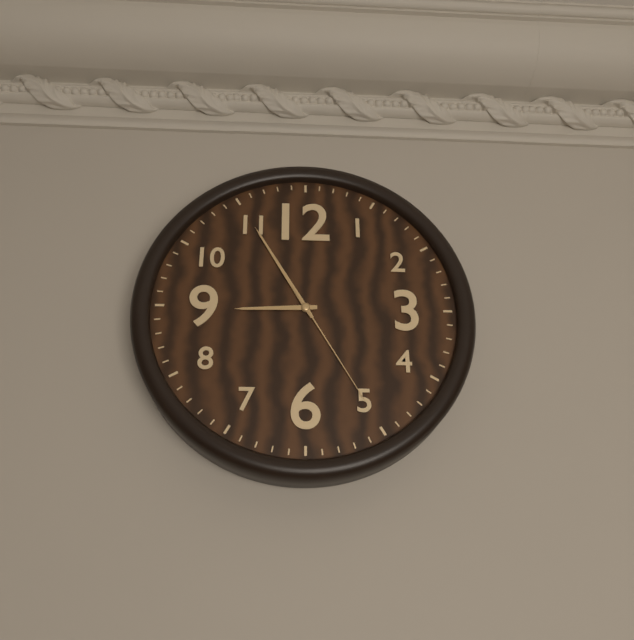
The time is 8:55:25
